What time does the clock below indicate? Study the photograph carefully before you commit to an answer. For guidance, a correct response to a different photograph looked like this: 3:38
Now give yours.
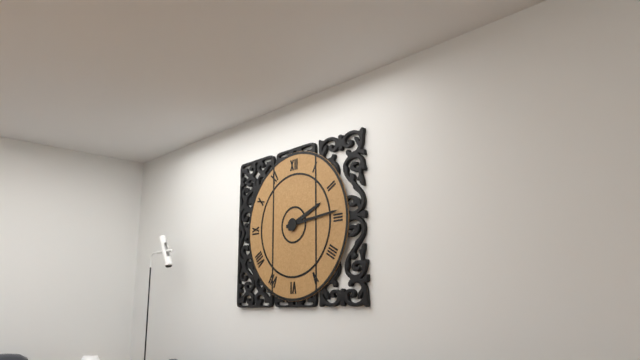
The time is 2:14
